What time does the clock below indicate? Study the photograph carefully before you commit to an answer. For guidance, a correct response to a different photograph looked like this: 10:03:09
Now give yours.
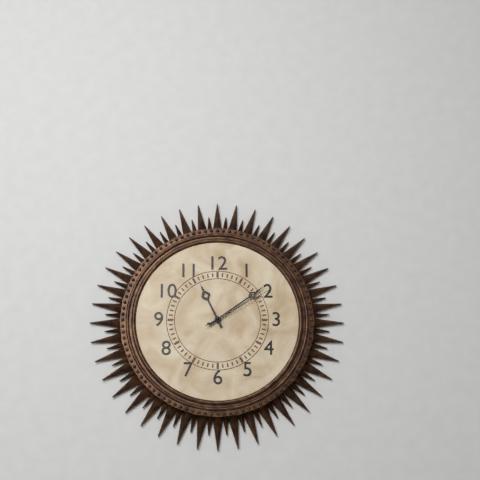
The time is 11:09:10
